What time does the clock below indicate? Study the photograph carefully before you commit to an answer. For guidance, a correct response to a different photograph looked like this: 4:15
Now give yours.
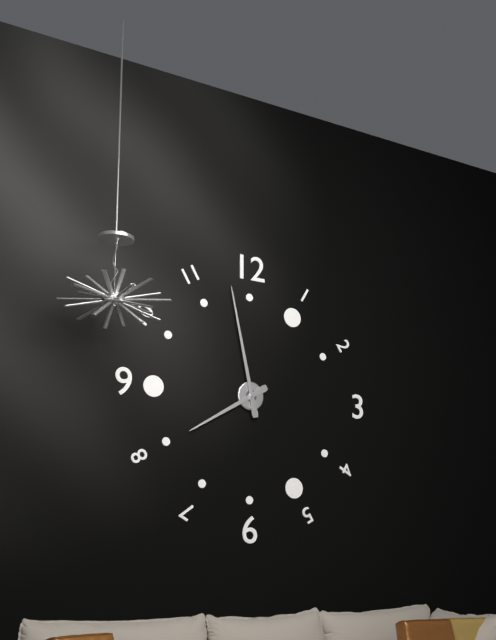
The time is 7:58
